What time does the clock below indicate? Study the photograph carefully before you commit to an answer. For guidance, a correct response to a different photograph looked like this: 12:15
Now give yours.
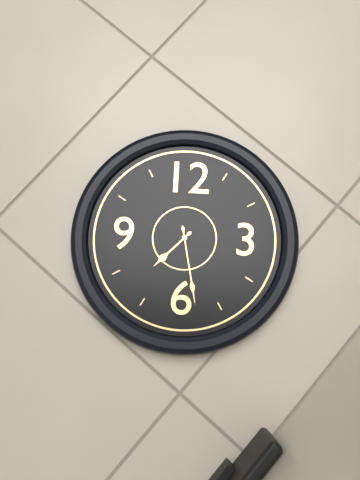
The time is 7:28
